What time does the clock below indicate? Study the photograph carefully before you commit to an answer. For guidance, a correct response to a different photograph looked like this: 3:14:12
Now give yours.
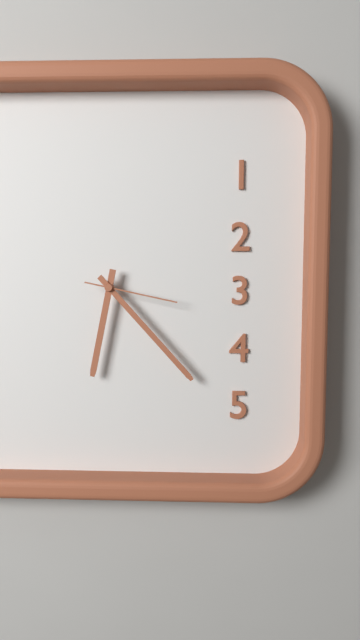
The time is 6:23:17
